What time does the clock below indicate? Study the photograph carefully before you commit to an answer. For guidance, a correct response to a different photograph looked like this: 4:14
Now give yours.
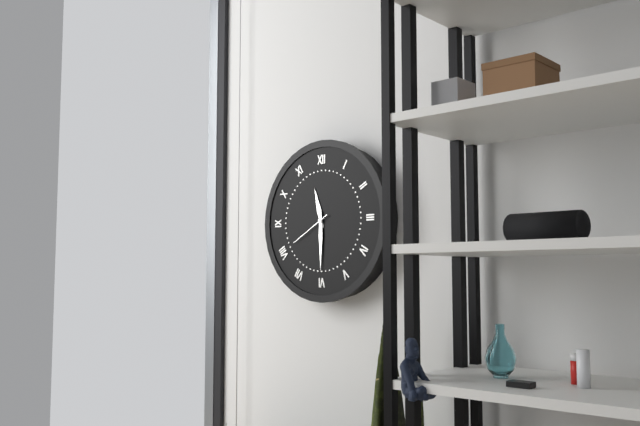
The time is 11:30
